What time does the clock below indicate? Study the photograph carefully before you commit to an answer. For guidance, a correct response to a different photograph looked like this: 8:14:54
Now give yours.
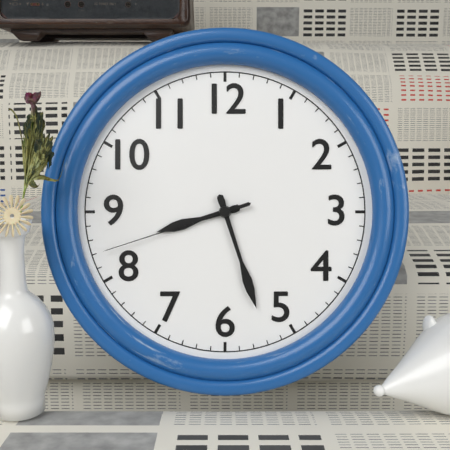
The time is 8:27:42
